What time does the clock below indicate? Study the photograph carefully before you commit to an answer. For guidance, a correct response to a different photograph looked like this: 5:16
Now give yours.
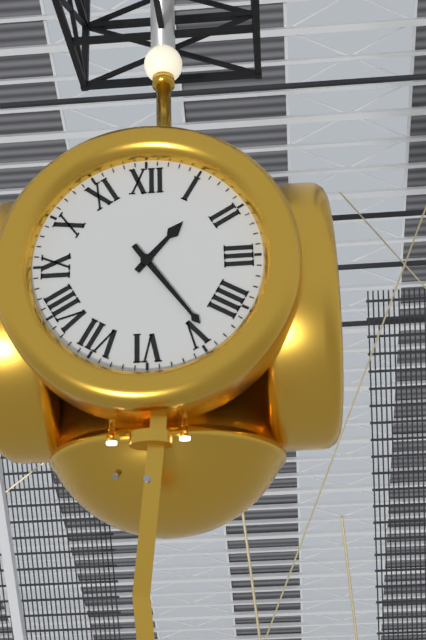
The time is 1:24
